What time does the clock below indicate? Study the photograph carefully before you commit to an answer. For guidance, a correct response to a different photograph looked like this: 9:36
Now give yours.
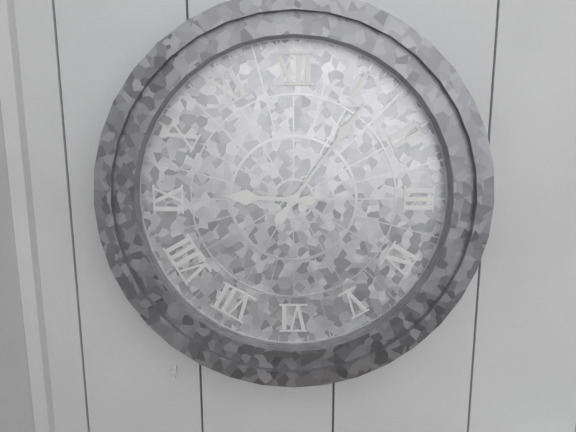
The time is 9:06
